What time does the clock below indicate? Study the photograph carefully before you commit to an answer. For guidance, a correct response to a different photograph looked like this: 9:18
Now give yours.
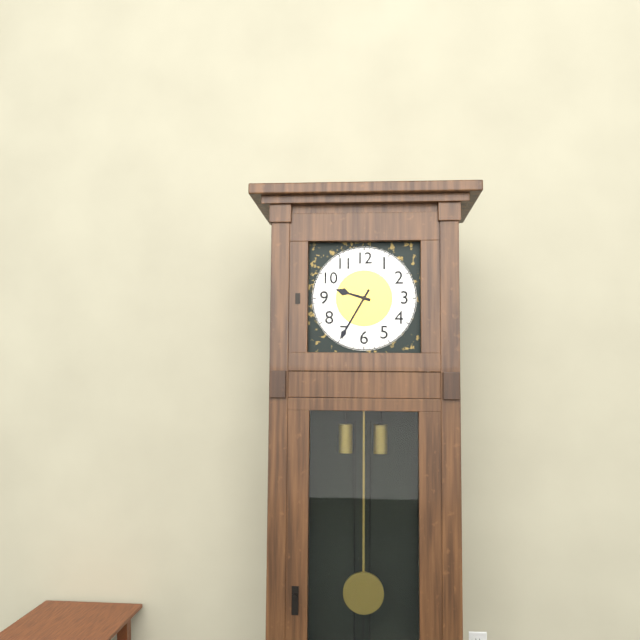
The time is 9:35
